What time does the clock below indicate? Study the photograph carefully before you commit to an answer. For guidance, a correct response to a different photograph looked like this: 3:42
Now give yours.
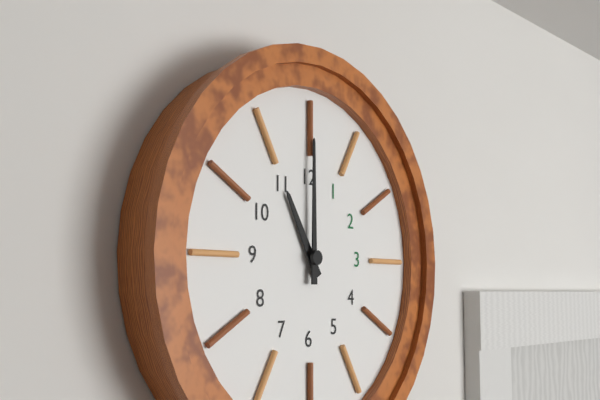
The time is 11:00
